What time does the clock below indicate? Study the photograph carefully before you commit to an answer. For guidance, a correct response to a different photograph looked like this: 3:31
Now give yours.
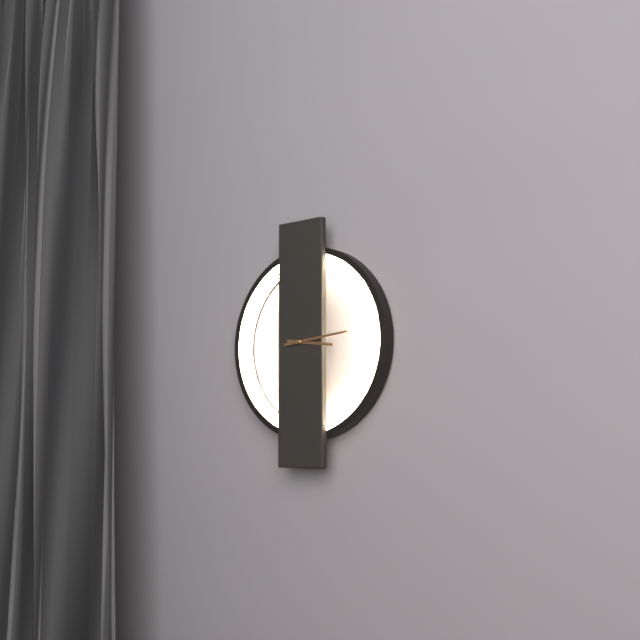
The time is 3:14
